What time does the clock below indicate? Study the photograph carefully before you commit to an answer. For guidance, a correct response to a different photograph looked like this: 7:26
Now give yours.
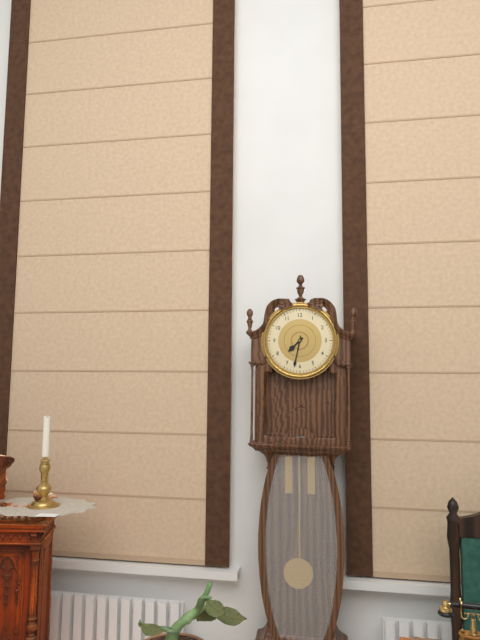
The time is 7:32
